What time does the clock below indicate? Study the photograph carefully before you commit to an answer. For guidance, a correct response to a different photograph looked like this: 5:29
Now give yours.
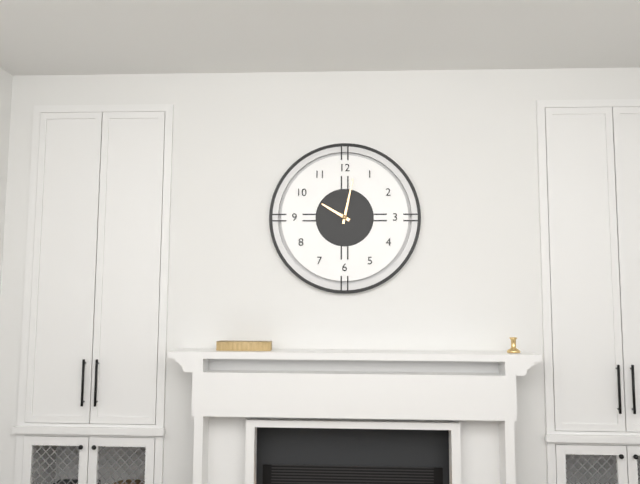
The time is 10:02
